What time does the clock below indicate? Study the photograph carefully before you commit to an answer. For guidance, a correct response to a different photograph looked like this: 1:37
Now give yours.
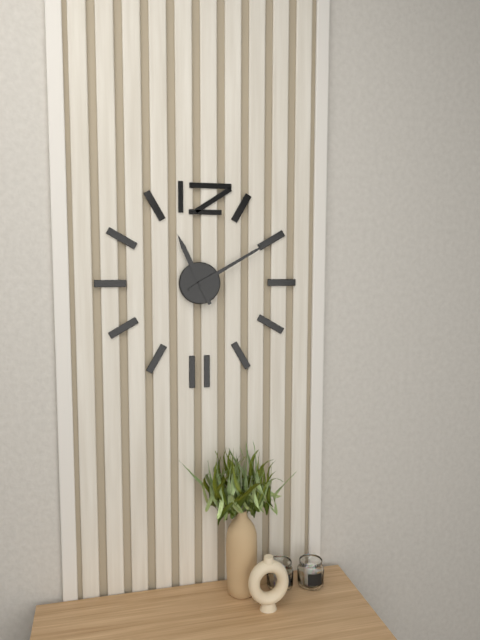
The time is 11:10
